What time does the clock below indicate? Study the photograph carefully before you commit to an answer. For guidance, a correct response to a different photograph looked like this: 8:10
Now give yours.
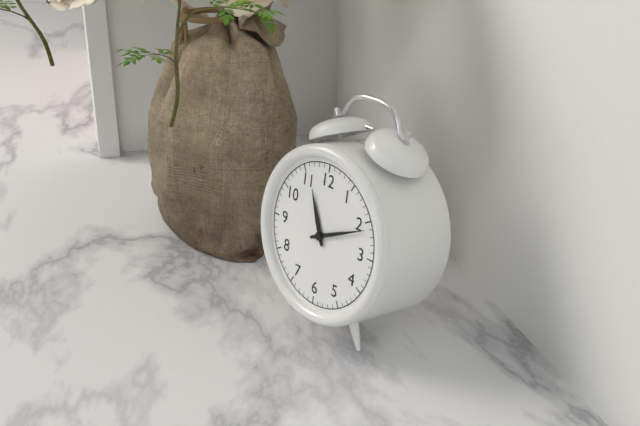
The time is 11:11
